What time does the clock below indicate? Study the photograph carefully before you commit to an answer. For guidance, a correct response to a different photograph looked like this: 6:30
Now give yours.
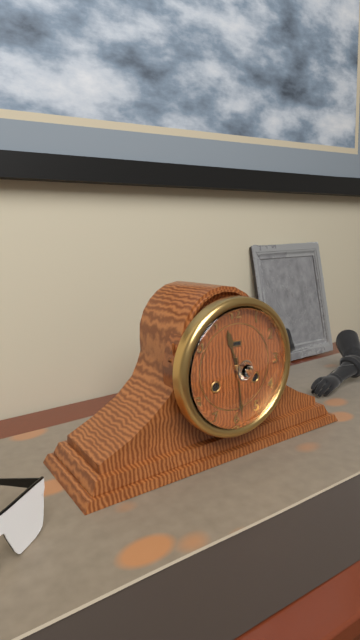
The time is 11:29
